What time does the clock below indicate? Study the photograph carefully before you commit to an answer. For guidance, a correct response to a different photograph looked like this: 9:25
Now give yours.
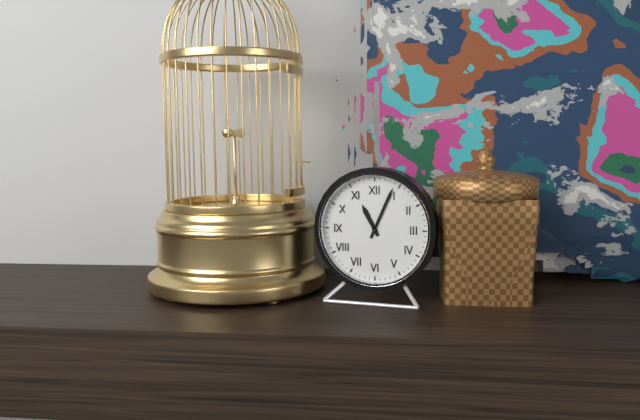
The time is 11:04
